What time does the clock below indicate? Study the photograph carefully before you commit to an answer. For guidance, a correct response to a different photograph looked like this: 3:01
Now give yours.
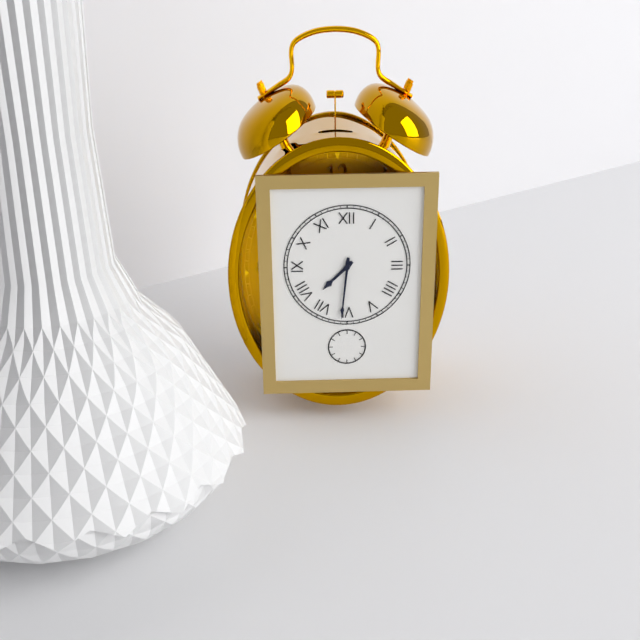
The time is 7:31
